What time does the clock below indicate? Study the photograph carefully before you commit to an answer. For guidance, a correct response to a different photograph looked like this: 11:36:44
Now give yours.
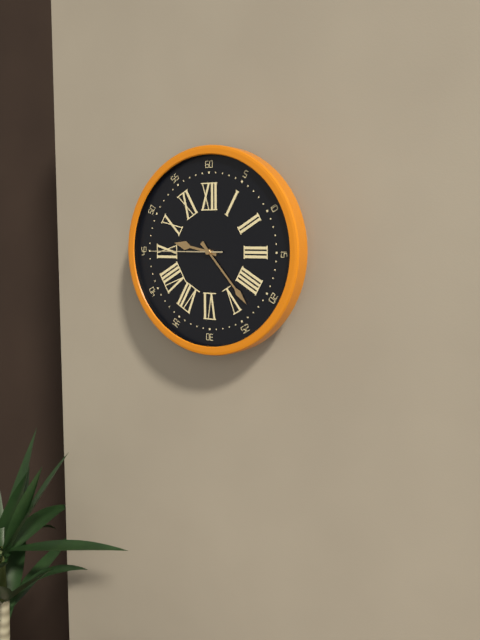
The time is 9:23:45
